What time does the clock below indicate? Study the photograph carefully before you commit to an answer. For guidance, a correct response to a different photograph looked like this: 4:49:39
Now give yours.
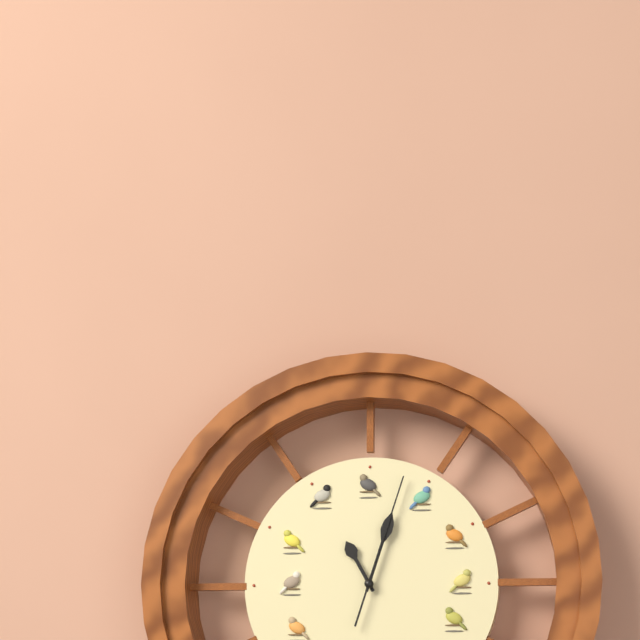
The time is 11:03:03
